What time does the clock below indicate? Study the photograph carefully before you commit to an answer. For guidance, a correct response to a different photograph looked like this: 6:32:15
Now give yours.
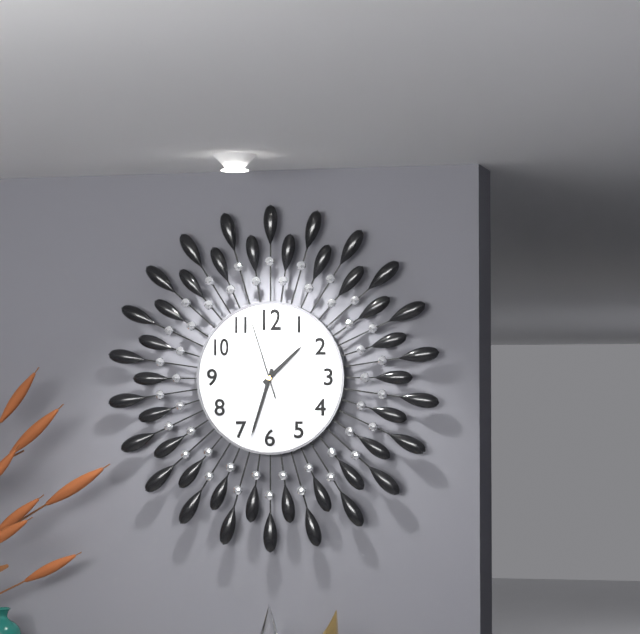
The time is 1:33:57
